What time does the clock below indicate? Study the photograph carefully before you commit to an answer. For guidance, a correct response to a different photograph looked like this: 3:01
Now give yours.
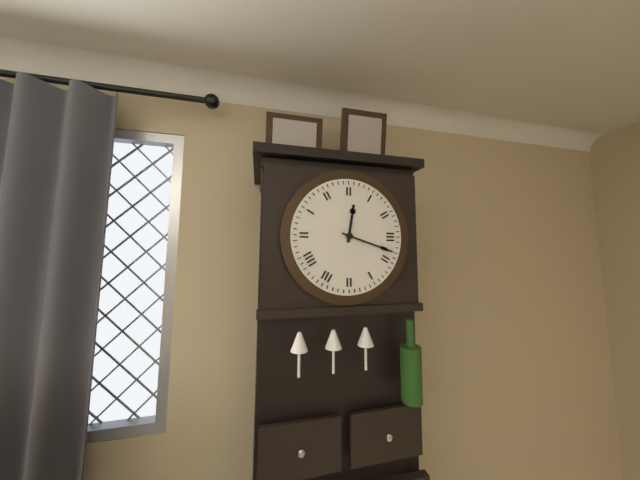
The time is 12:18
